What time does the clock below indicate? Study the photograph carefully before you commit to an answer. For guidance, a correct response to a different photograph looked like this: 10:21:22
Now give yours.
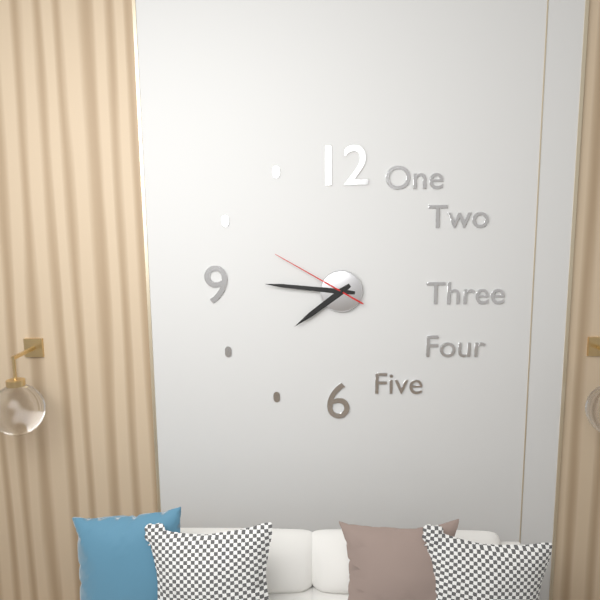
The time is 7:46:50
